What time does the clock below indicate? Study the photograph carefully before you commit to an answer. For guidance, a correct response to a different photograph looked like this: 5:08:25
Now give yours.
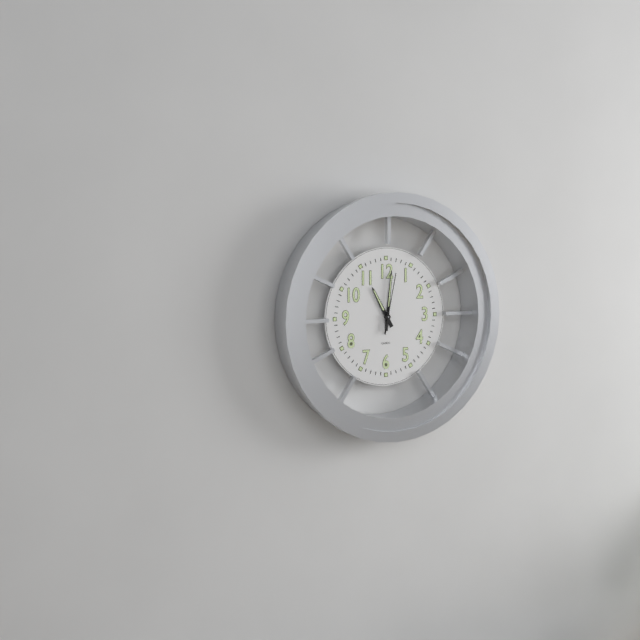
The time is 11:01:02
